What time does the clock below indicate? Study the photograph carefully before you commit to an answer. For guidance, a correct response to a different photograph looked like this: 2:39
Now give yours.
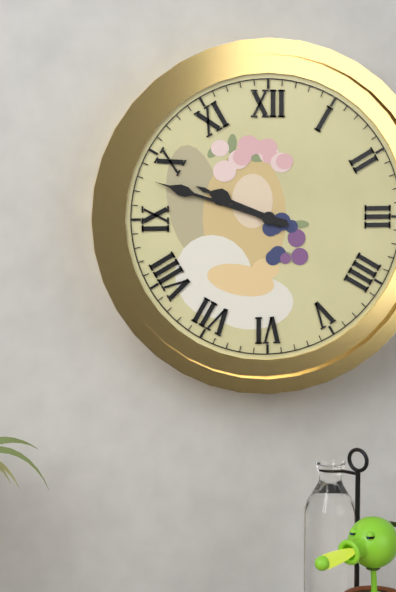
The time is 9:48
